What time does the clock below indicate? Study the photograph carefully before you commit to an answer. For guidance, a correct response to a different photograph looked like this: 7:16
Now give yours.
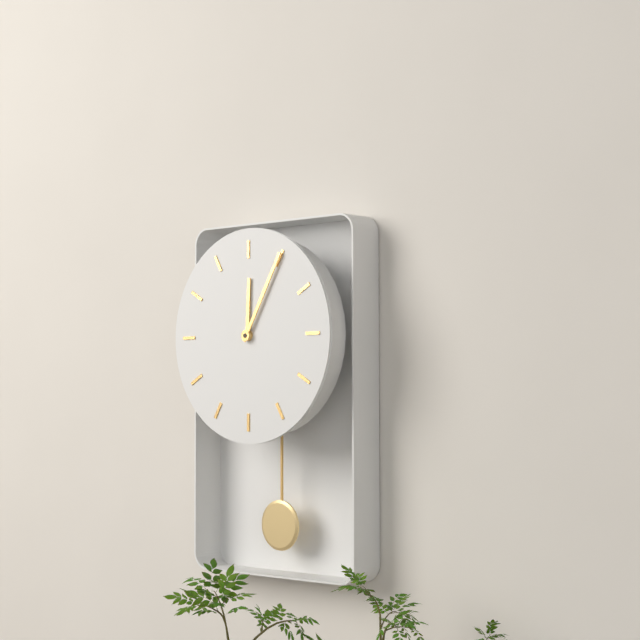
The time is 12:05
